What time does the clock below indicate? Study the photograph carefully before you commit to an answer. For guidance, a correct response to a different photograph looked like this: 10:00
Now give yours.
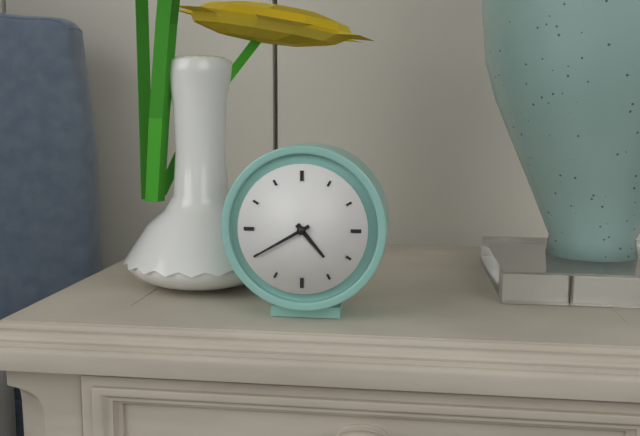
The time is 4:40
